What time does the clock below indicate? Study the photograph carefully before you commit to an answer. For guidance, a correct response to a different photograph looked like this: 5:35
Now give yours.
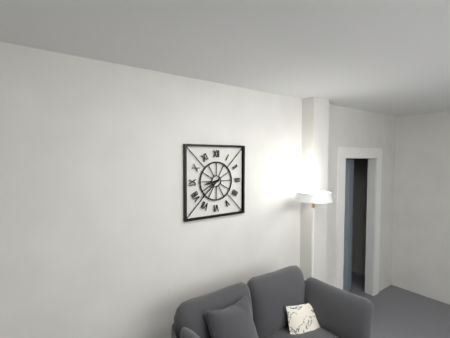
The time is 8:38
